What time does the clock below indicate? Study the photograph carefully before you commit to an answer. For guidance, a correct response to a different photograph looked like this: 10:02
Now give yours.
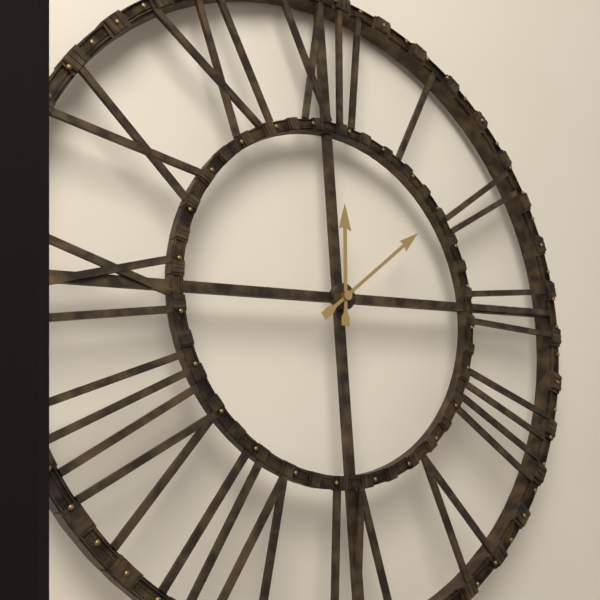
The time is 12:09
